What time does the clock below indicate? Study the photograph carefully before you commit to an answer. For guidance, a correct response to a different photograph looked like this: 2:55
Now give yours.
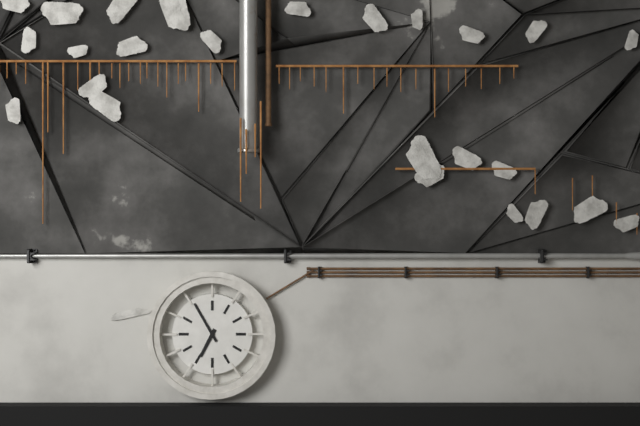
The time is 6:55
